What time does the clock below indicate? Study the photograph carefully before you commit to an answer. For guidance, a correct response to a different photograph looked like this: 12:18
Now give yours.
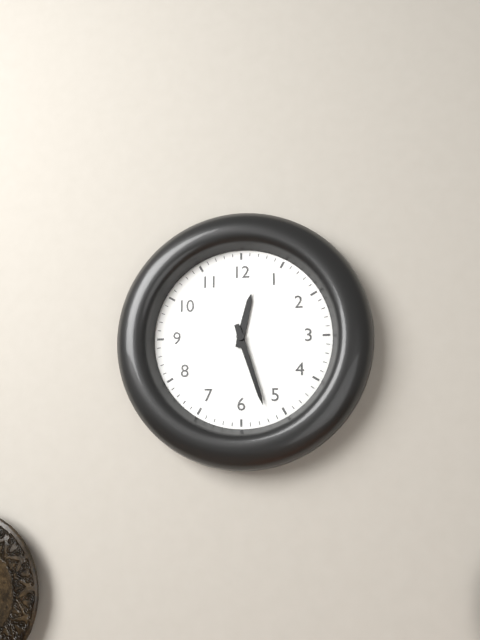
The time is 12:27
